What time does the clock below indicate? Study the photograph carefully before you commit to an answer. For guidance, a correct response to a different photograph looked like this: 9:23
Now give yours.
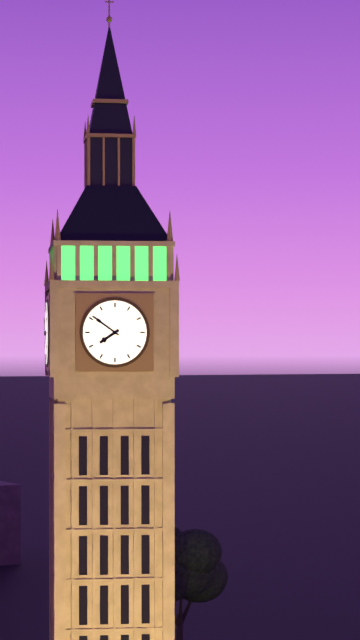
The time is 7:51
